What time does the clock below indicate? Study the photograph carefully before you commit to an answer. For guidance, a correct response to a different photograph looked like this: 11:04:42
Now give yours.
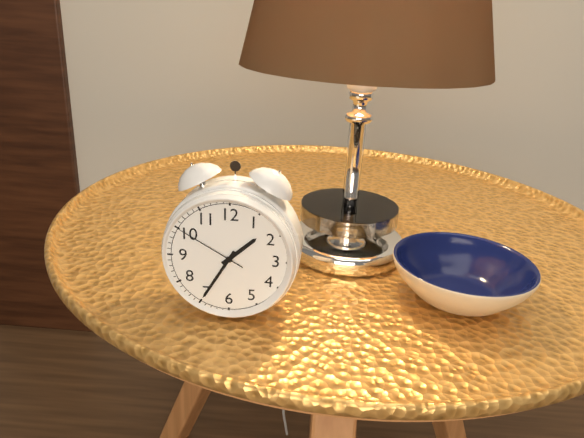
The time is 1:35:50
